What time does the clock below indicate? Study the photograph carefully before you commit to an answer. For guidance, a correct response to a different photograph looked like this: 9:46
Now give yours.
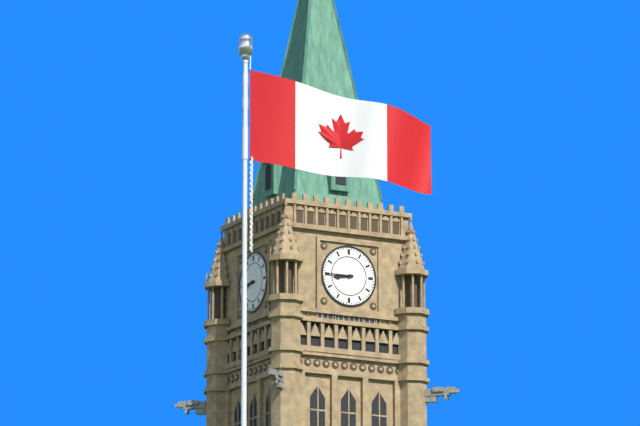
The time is 8:45
